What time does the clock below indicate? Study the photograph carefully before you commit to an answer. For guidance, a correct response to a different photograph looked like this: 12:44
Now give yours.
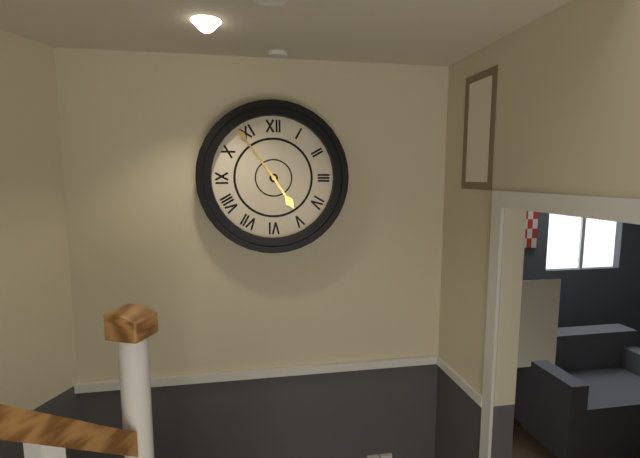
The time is 4:54
